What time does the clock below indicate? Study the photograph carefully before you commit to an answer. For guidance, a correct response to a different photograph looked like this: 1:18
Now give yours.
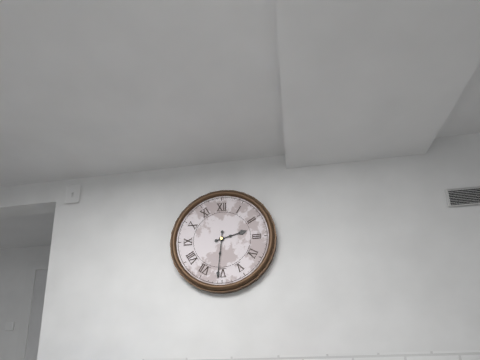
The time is 2:31
